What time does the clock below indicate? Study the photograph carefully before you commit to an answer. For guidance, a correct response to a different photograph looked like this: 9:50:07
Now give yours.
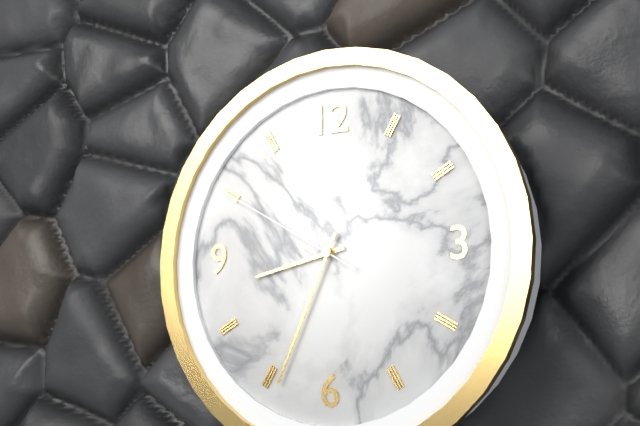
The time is 8:34:50
